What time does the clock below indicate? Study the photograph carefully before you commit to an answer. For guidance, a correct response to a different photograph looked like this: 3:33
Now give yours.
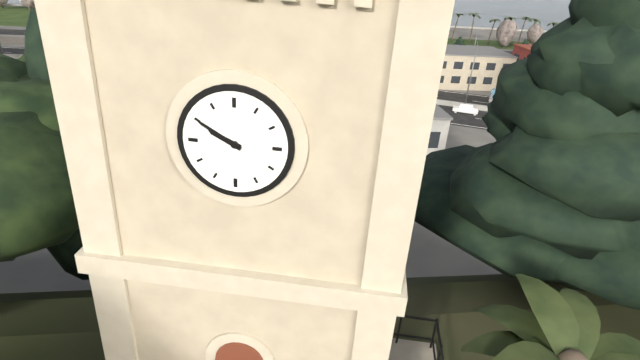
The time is 9:50
